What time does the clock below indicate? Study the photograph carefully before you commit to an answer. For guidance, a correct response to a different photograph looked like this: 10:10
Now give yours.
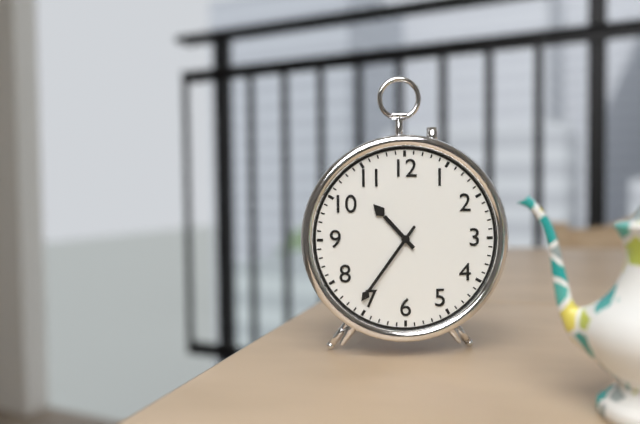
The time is 10:36
